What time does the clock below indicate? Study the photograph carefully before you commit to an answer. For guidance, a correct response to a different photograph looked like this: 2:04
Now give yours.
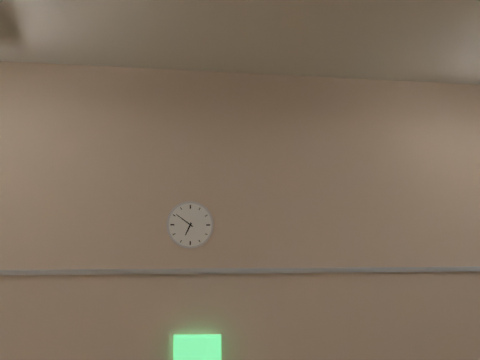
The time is 6:51
